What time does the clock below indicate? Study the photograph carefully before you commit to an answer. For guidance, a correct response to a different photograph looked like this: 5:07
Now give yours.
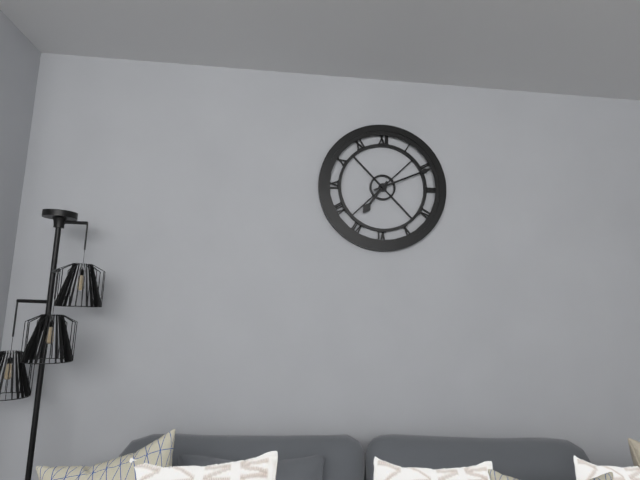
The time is 7:11
